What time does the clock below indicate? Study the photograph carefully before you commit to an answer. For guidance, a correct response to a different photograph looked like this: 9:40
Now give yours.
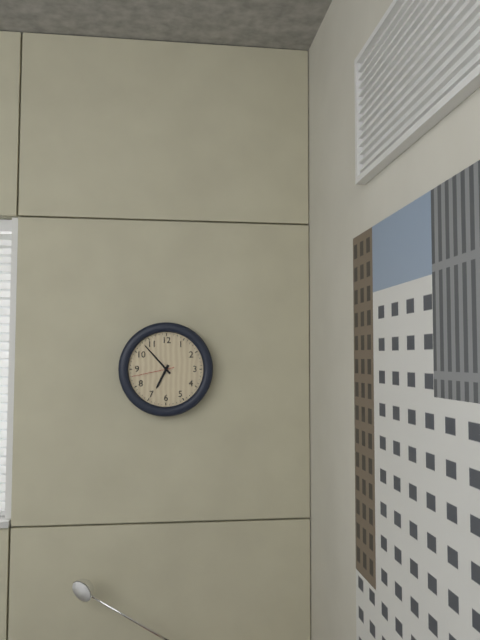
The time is 6:53
